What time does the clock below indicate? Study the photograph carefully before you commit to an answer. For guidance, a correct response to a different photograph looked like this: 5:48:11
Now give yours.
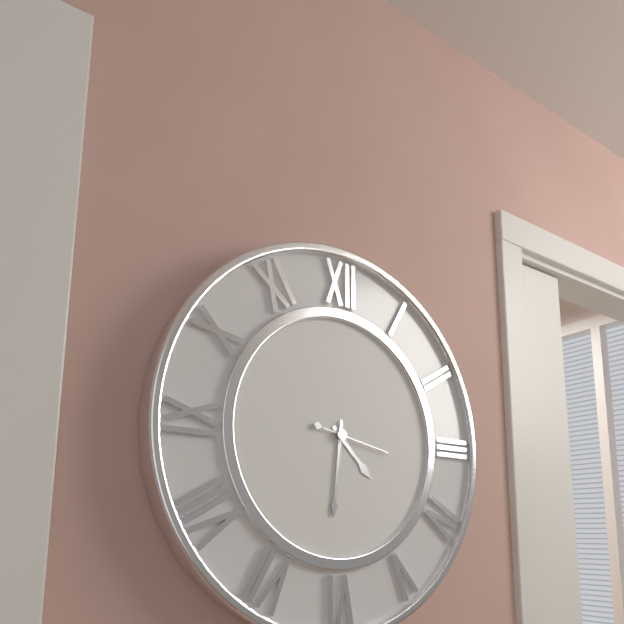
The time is 4:31:17
